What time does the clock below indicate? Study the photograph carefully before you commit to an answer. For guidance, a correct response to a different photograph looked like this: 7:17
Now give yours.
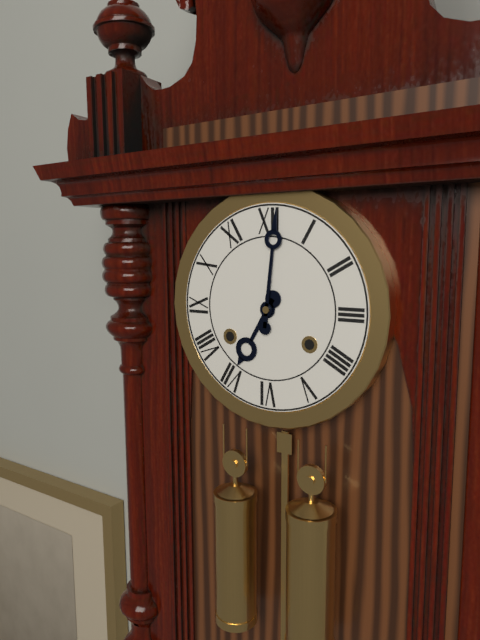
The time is 7:01
